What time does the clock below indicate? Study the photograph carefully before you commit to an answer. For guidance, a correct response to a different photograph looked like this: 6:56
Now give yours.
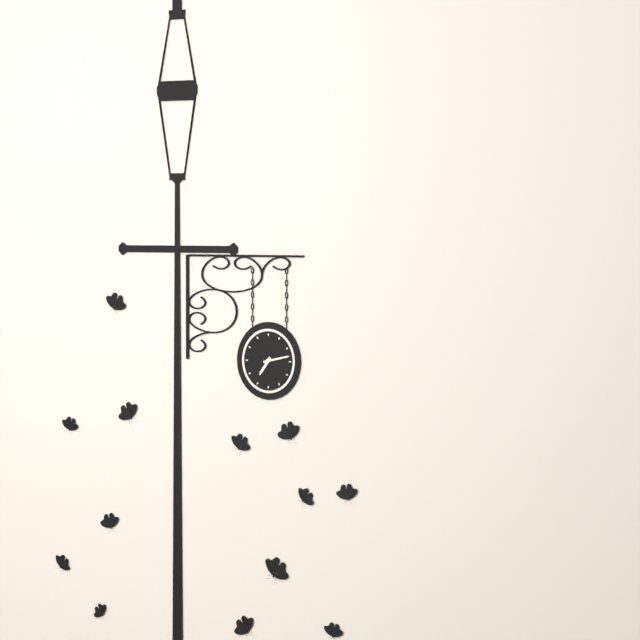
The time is 7:13
